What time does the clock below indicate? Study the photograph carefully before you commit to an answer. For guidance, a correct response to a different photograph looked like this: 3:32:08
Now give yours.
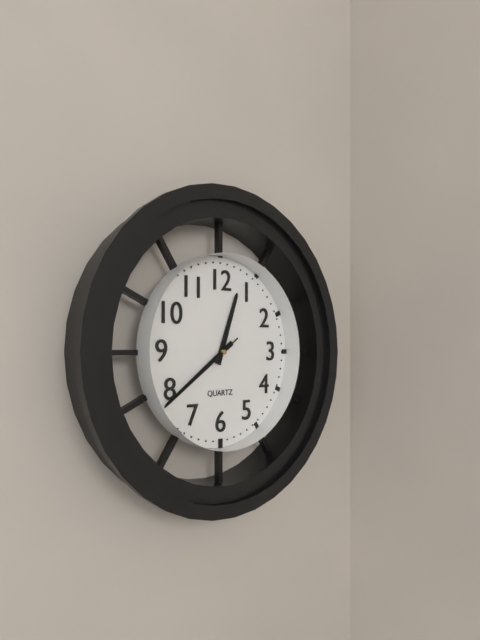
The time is 12:39:39
